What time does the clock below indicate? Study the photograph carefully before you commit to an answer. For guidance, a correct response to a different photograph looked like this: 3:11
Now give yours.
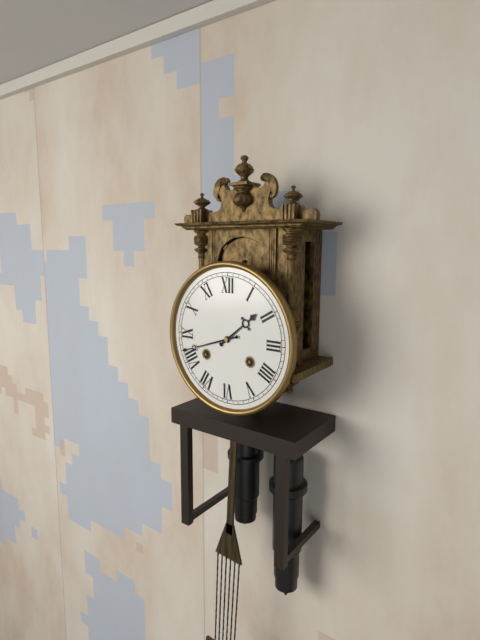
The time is 1:42
